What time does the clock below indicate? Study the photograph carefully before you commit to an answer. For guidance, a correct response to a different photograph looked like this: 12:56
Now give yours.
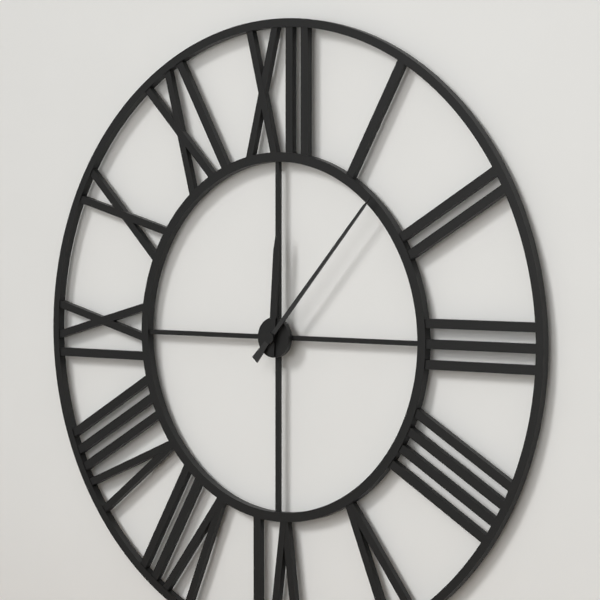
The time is 12:07
